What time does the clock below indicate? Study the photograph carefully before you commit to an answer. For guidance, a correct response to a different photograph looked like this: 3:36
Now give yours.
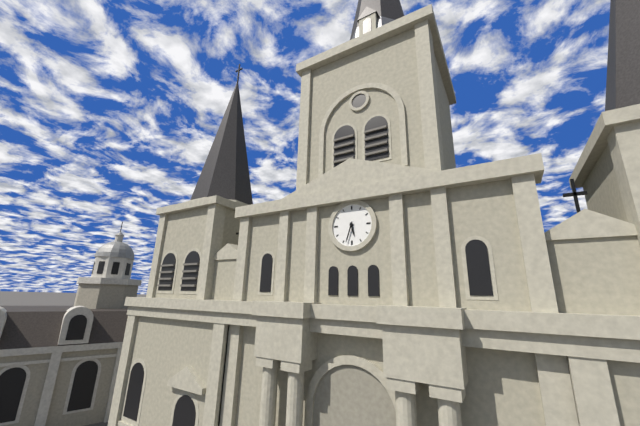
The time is 5:33
